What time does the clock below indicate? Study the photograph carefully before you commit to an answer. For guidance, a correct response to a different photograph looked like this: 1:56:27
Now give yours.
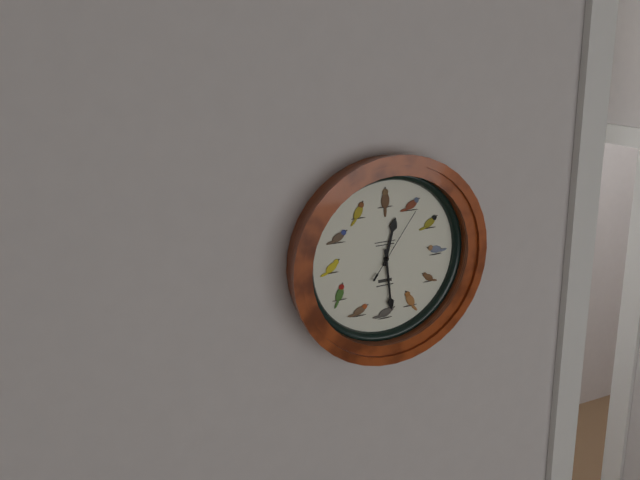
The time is 12:29:06
